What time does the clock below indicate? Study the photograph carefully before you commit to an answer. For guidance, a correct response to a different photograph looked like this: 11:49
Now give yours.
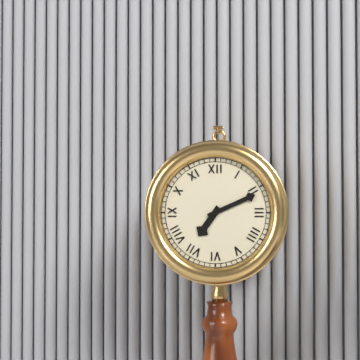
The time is 7:11
